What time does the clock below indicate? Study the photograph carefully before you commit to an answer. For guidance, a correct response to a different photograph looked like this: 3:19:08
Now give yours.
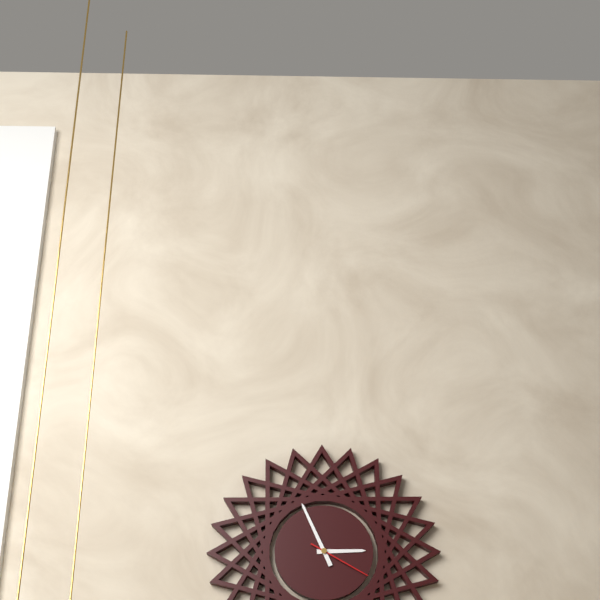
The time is 2:56:20
